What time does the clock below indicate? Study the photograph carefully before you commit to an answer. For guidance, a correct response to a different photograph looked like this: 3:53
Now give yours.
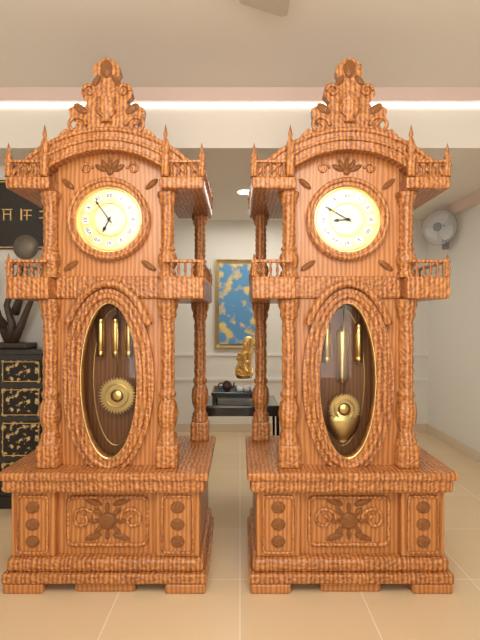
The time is 6:54
